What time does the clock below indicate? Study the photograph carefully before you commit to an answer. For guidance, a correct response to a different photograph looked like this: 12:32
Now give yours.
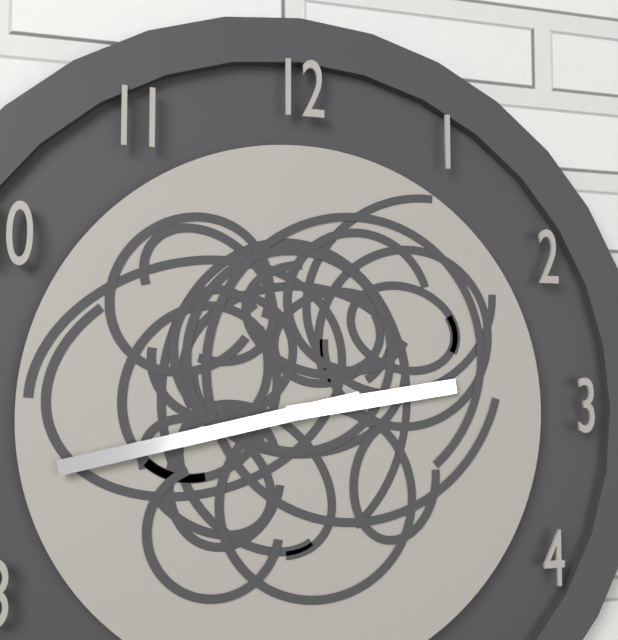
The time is 2:43
